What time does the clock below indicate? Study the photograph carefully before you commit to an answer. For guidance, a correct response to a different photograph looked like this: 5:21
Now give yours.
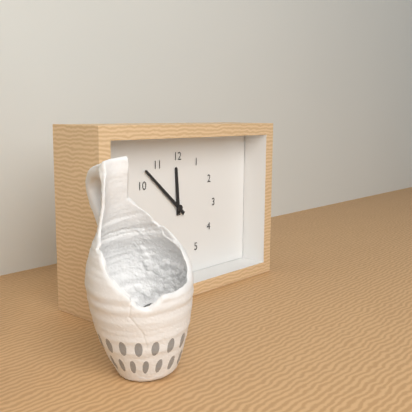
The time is 11:52
